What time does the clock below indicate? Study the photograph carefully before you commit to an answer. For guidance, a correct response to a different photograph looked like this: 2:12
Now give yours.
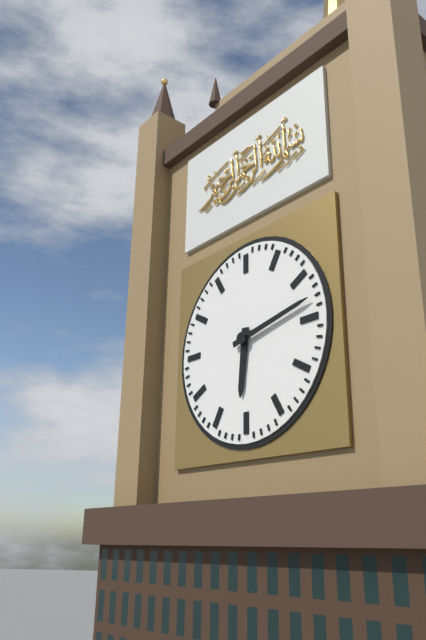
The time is 6:13
